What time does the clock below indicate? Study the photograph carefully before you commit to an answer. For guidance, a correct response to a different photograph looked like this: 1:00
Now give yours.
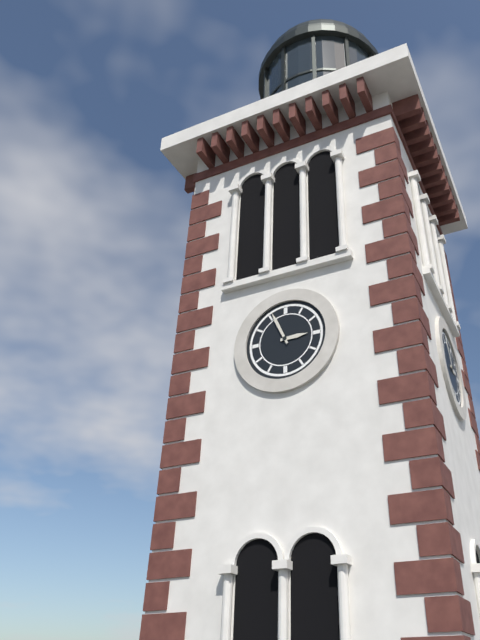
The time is 2:56
